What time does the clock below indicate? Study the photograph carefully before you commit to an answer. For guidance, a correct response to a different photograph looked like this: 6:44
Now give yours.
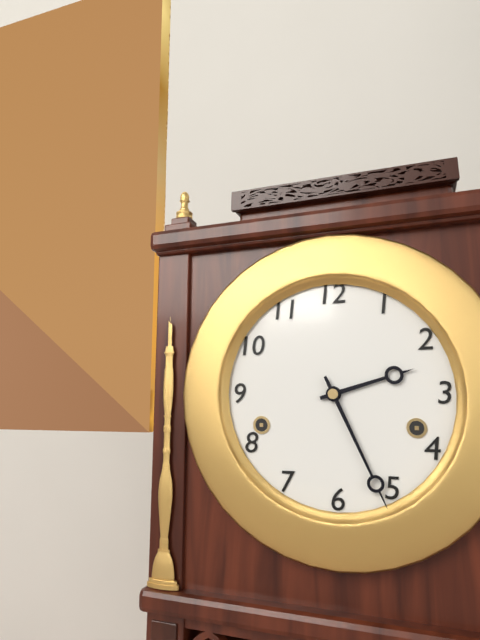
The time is 2:26
